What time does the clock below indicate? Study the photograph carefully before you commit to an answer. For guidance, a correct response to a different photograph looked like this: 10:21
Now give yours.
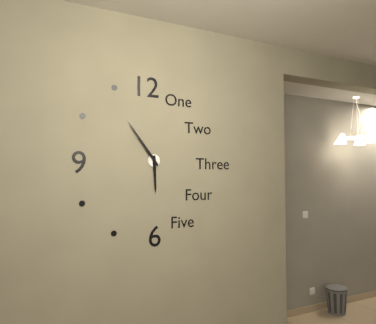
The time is 5:54
